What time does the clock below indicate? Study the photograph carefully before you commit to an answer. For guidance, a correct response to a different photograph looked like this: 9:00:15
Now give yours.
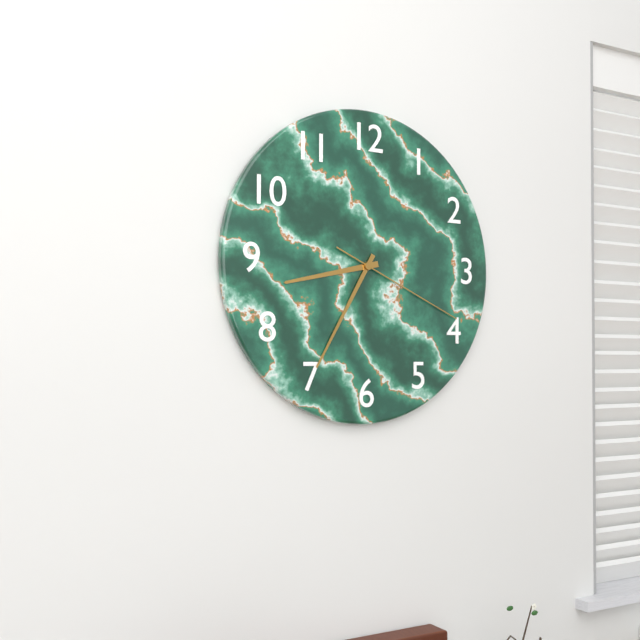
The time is 8:35:19
